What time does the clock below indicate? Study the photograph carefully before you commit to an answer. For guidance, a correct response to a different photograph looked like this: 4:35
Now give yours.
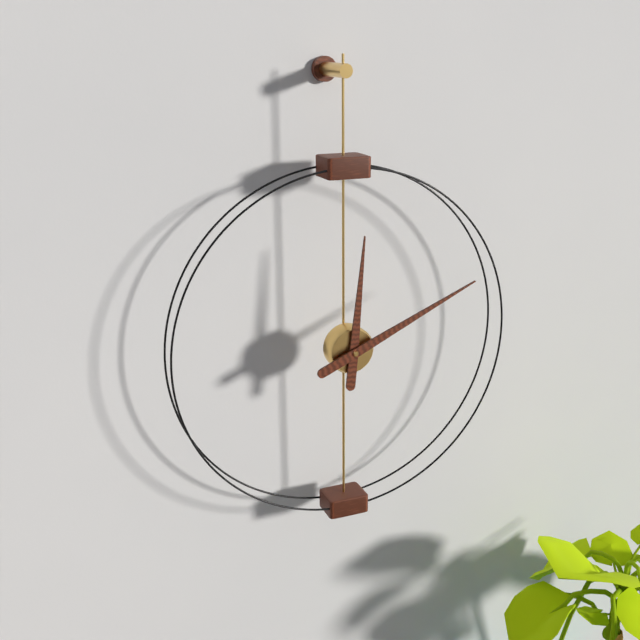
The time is 12:11
